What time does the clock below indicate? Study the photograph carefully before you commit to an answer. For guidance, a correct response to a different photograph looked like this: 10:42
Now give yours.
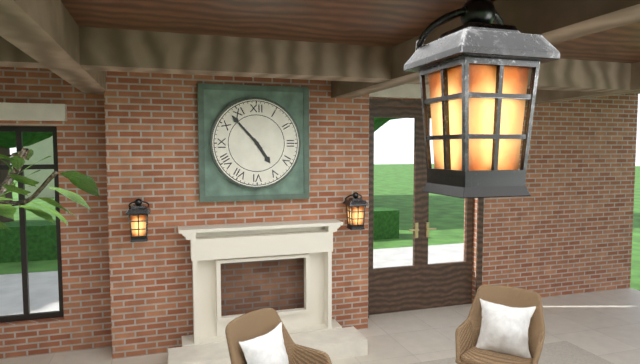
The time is 4:53
